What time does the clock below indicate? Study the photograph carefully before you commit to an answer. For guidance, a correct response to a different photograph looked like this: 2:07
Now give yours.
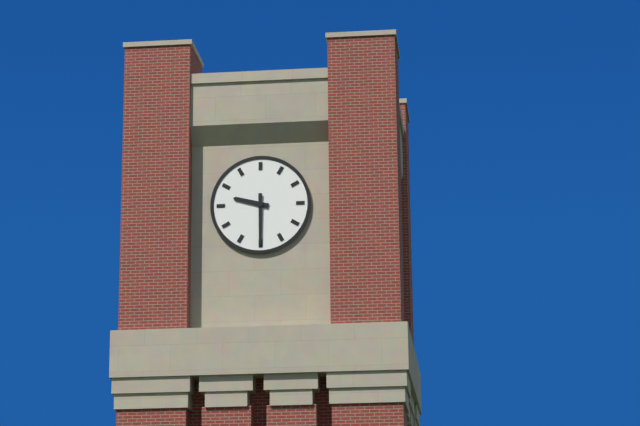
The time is 9:30
